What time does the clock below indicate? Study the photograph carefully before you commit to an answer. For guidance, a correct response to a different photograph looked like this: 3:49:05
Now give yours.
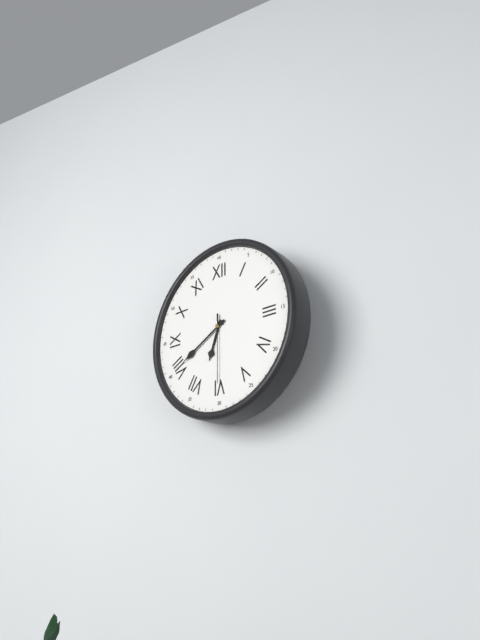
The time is 6:40:30
